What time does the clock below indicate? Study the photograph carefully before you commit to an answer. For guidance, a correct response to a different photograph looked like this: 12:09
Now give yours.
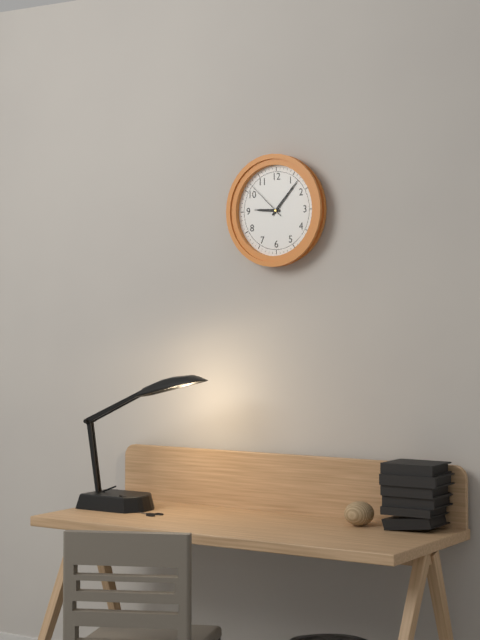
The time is 9:07
